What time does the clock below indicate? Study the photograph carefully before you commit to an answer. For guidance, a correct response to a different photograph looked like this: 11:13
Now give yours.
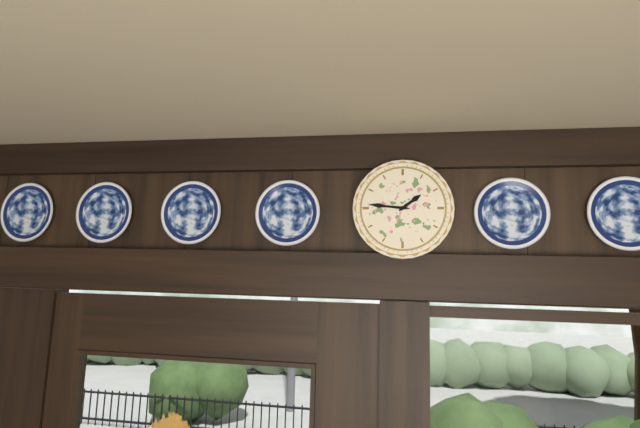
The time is 1:46
